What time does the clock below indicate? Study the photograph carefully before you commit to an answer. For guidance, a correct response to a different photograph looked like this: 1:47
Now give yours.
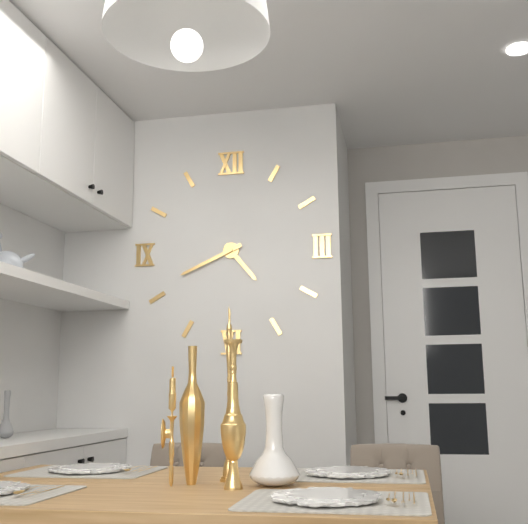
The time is 4:41
